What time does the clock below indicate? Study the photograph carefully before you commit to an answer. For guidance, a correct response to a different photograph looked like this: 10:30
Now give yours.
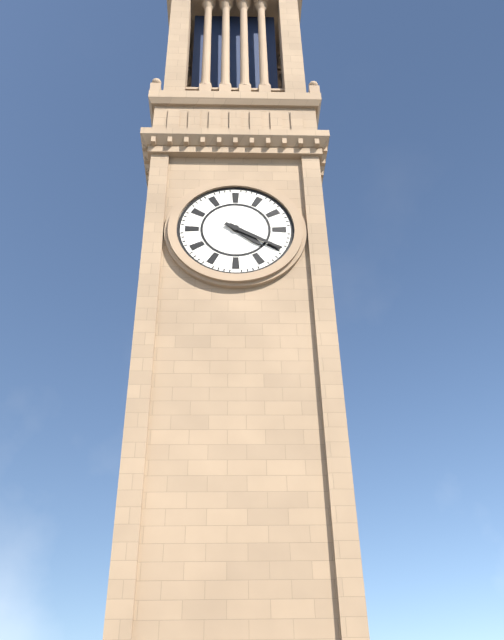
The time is 4:20
